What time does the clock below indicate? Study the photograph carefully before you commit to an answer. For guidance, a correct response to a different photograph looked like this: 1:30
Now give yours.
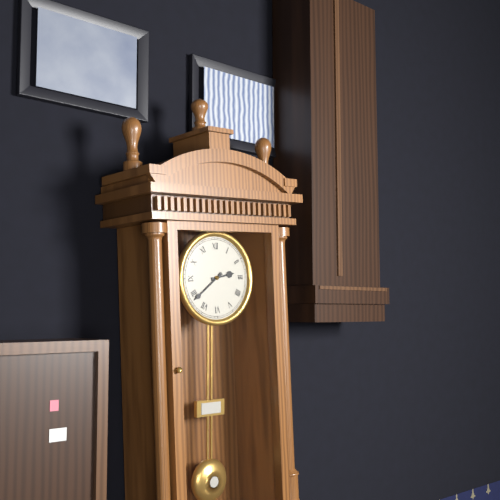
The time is 2:39
